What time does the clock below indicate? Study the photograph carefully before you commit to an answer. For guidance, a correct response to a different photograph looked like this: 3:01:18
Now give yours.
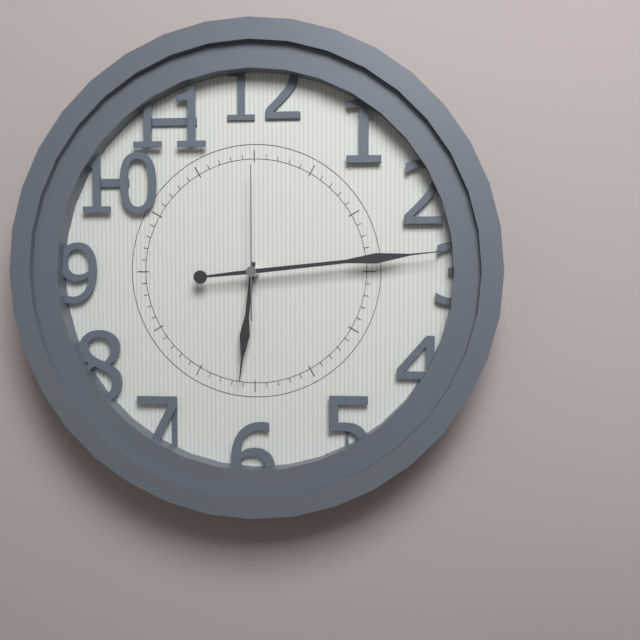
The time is 6:14:00
